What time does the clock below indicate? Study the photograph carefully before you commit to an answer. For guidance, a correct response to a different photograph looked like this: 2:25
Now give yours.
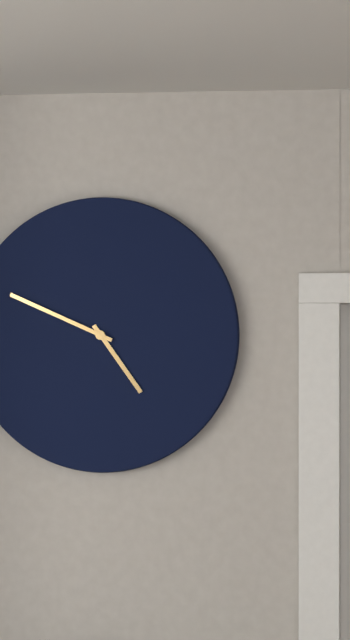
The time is 4:49
